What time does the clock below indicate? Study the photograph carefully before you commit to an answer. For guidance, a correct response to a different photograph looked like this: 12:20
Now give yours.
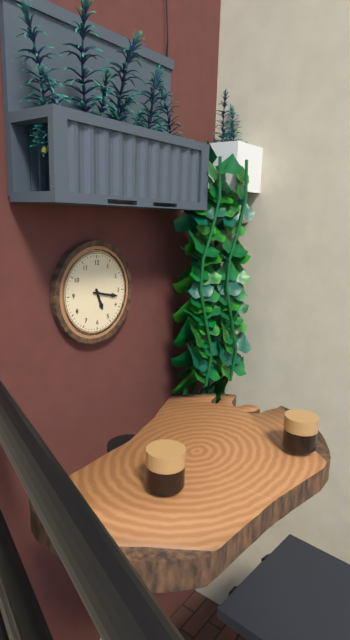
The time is 5:17
